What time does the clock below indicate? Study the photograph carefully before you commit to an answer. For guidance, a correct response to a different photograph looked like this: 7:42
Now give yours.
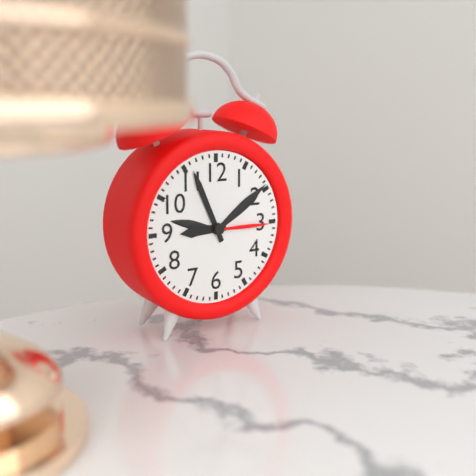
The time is 8:56
